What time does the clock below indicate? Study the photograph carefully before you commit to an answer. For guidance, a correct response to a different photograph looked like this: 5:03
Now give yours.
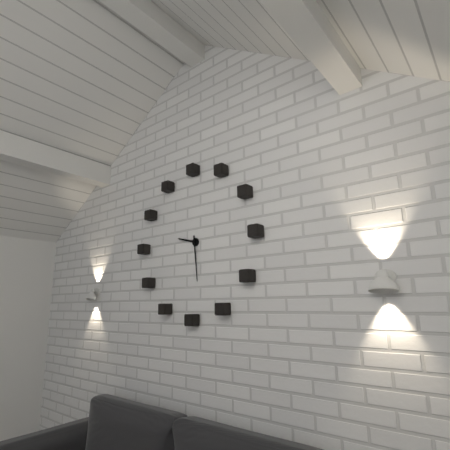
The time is 9:29
